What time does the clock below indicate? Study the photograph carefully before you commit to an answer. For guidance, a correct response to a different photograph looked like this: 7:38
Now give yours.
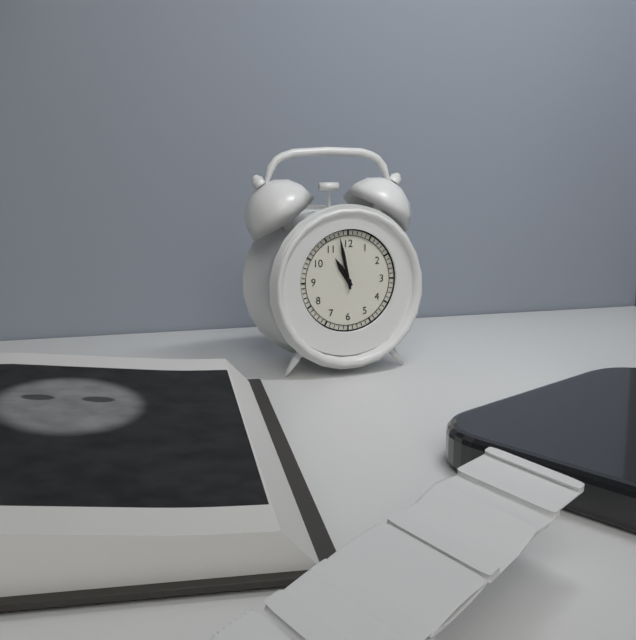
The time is 10:58
